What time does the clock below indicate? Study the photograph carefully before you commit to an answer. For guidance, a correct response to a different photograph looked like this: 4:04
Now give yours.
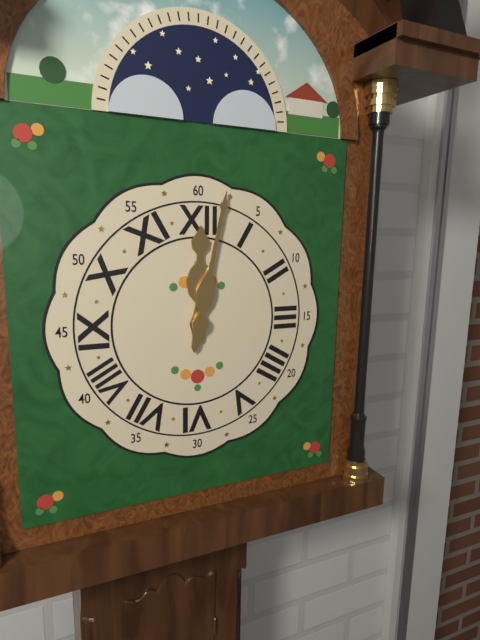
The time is 12:02
